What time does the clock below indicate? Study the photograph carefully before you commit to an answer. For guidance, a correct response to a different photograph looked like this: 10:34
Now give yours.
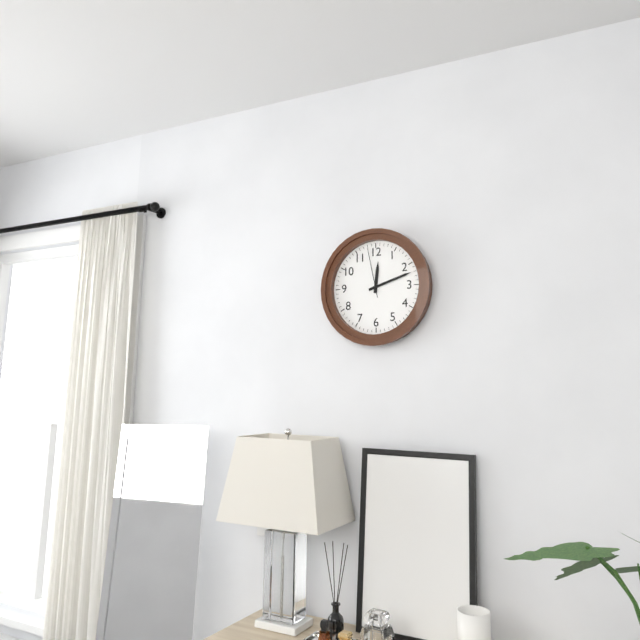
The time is 12:12
